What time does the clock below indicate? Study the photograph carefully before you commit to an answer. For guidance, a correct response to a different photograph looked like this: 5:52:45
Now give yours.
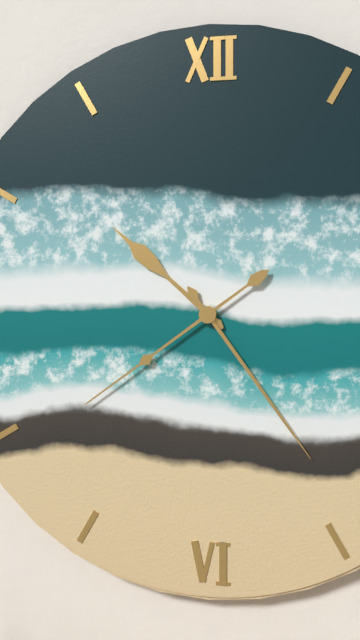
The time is 10:24:39
